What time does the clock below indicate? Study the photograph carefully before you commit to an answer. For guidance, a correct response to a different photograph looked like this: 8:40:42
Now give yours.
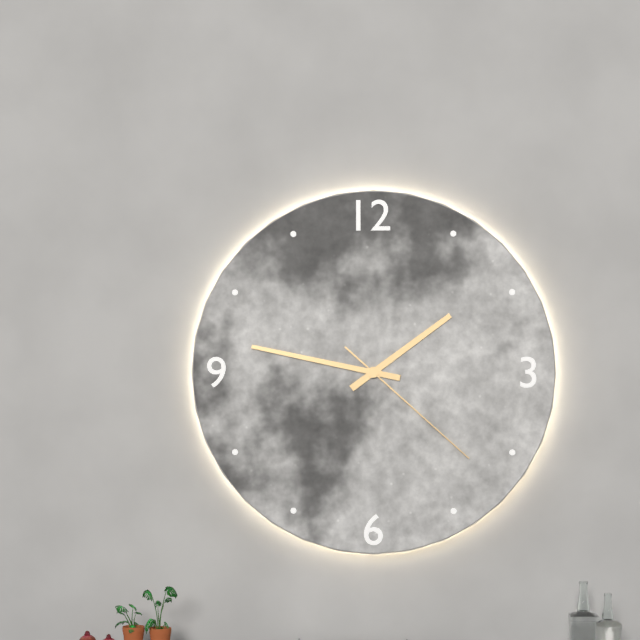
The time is 1:47:22
